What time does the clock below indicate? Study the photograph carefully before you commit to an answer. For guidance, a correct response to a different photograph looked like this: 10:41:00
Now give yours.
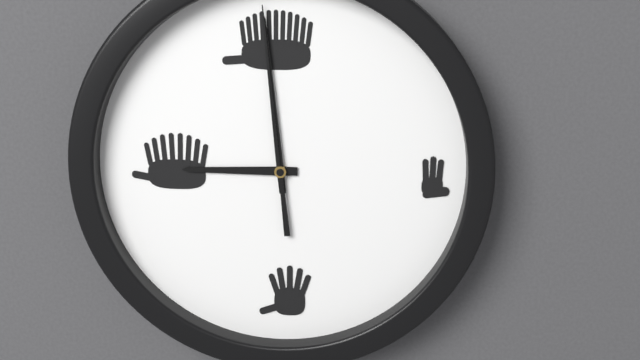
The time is 8:59:59
